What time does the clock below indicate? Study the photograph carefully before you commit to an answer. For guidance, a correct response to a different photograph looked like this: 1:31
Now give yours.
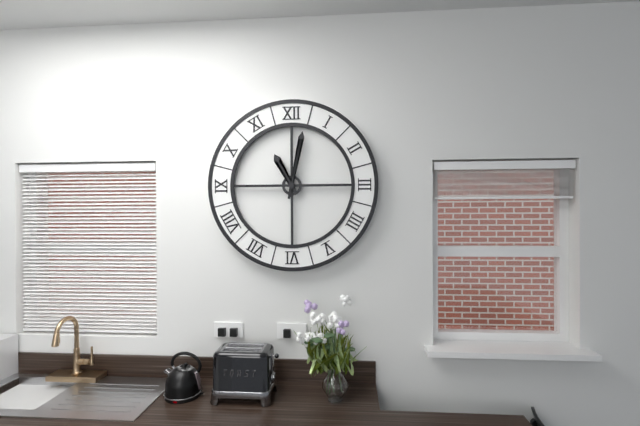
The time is 11:02
